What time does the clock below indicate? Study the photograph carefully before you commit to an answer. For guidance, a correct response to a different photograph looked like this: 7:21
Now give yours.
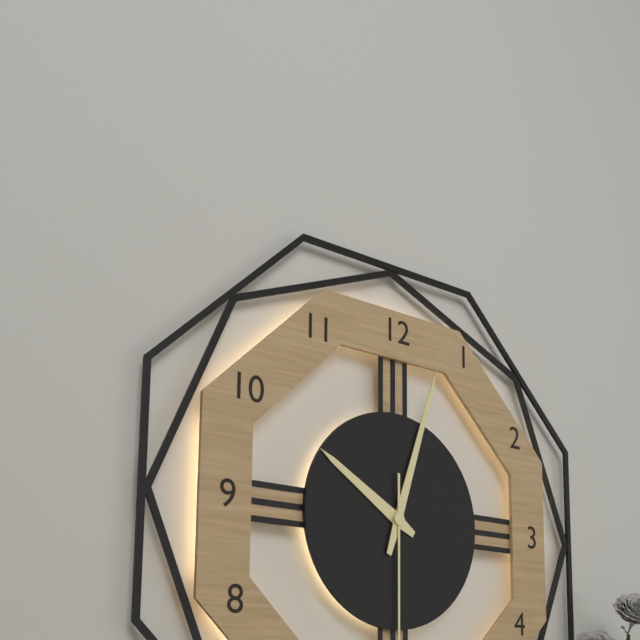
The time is 10:03
